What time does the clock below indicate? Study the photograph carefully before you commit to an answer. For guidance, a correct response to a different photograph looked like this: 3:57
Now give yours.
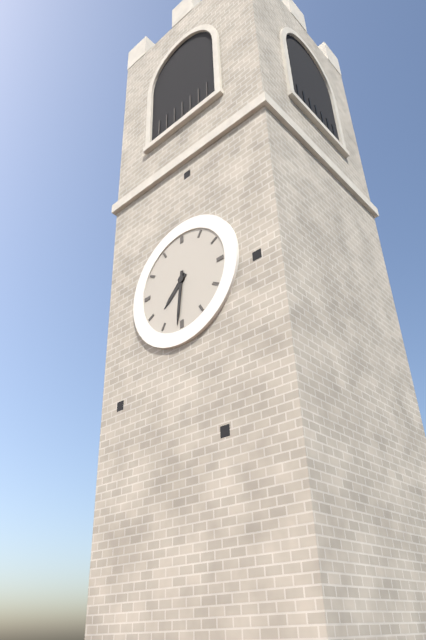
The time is 7:31
